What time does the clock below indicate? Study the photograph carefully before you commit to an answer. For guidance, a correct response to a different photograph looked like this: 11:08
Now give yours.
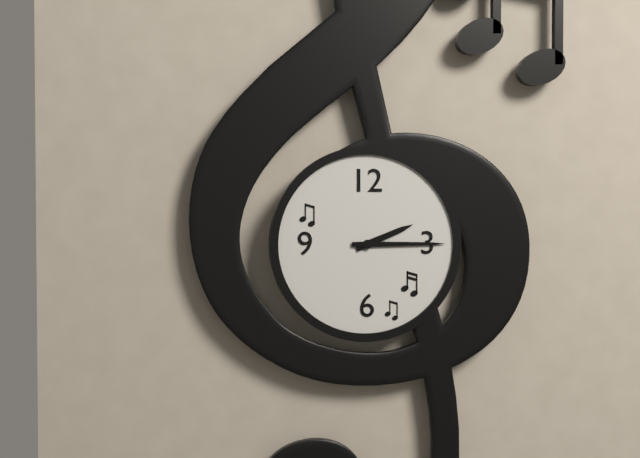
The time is 2:15
